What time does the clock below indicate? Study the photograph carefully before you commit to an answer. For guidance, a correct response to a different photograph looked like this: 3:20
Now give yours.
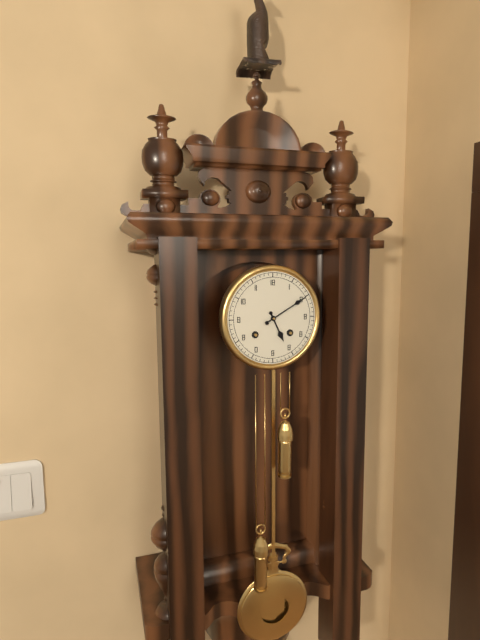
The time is 5:10
